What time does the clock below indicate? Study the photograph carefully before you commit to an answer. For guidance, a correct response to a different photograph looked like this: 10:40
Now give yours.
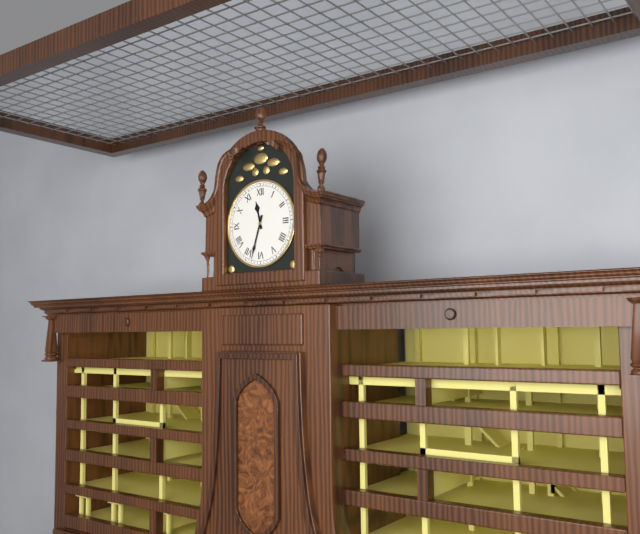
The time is 11:33
